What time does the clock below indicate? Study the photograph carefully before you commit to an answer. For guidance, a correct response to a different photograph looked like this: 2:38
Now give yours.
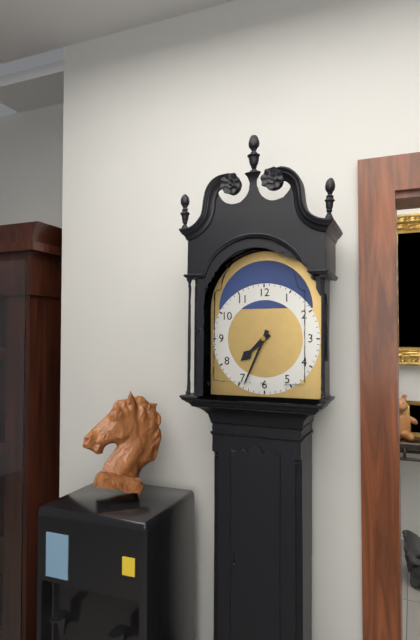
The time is 7:34
